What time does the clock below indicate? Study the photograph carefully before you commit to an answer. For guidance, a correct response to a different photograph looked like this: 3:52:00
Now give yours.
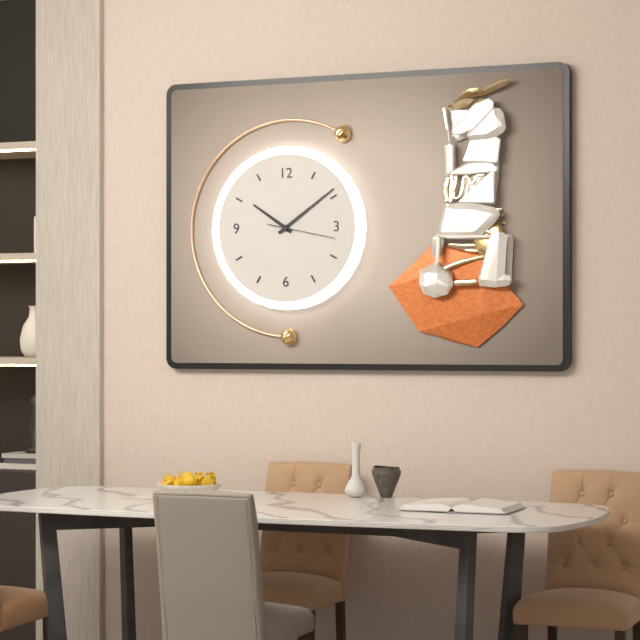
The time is 10:09:17
